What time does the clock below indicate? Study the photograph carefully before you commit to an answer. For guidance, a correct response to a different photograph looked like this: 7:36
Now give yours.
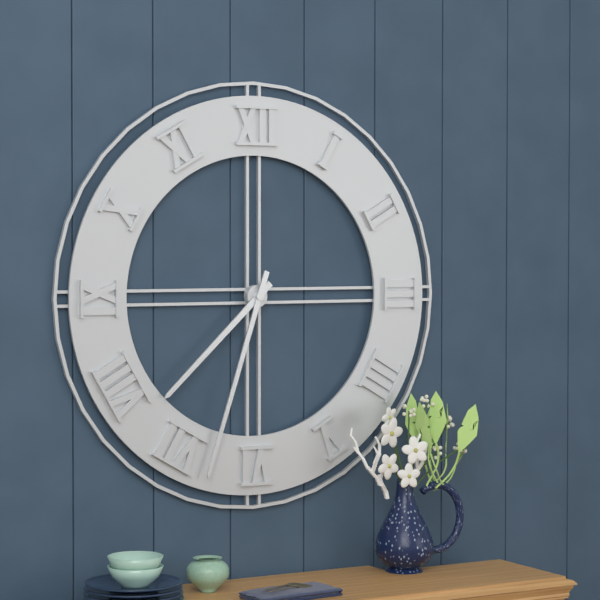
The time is 7:33
